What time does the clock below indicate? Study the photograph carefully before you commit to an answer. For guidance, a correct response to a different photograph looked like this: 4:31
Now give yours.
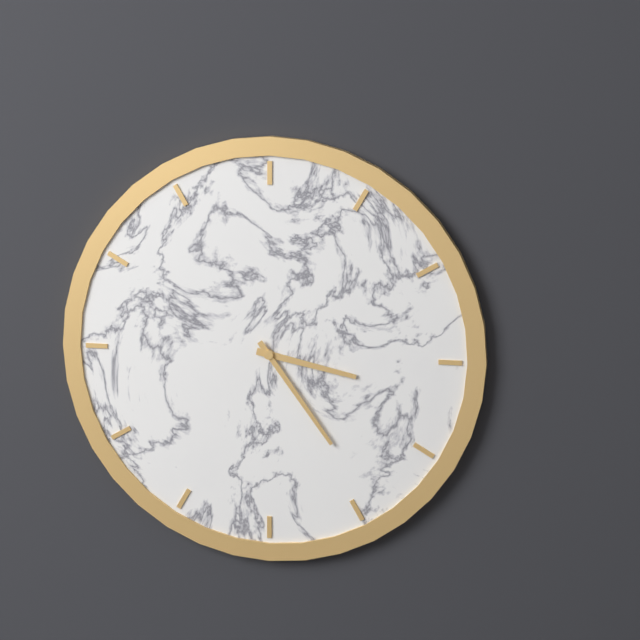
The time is 3:24
